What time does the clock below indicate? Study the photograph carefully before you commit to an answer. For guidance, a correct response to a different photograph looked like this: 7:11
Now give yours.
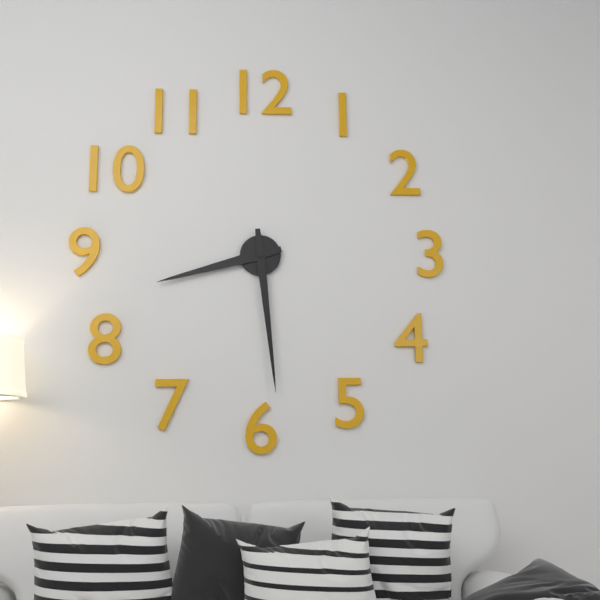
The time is 8:29
